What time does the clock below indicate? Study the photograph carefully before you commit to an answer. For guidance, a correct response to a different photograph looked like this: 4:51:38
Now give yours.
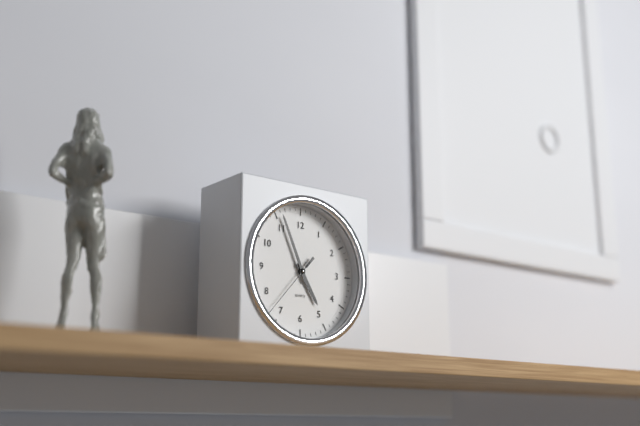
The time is 4:56:37
